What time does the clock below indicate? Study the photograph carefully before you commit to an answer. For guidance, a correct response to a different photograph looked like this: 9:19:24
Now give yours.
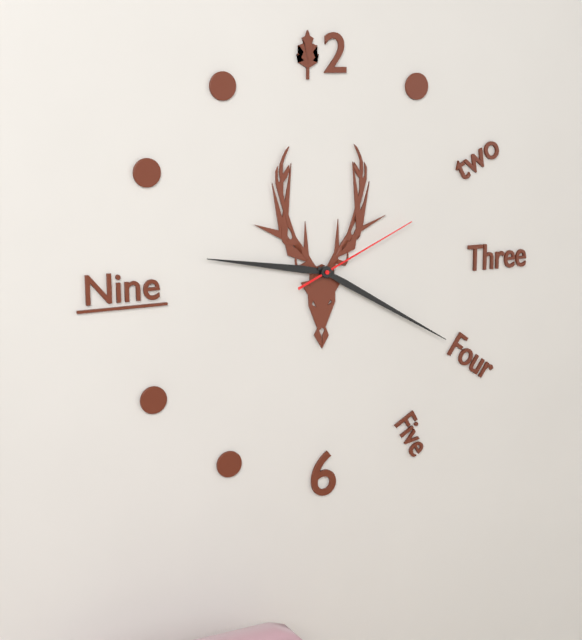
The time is 9:20:11
